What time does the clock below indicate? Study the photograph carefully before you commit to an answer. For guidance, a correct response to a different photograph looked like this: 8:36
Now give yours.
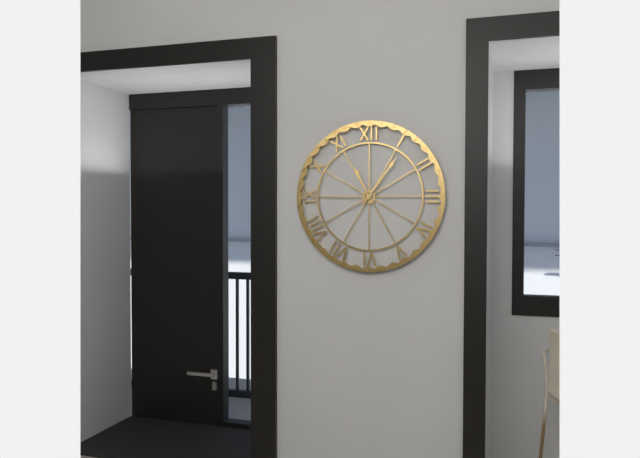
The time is 11:06
